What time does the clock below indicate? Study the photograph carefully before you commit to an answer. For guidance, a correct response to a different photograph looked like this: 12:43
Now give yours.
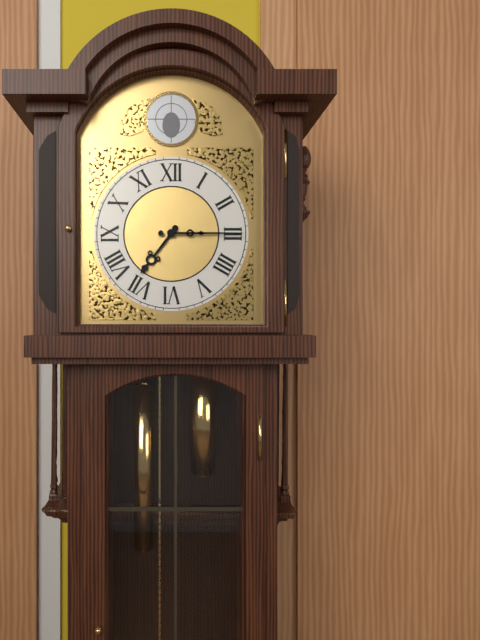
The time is 7:15
